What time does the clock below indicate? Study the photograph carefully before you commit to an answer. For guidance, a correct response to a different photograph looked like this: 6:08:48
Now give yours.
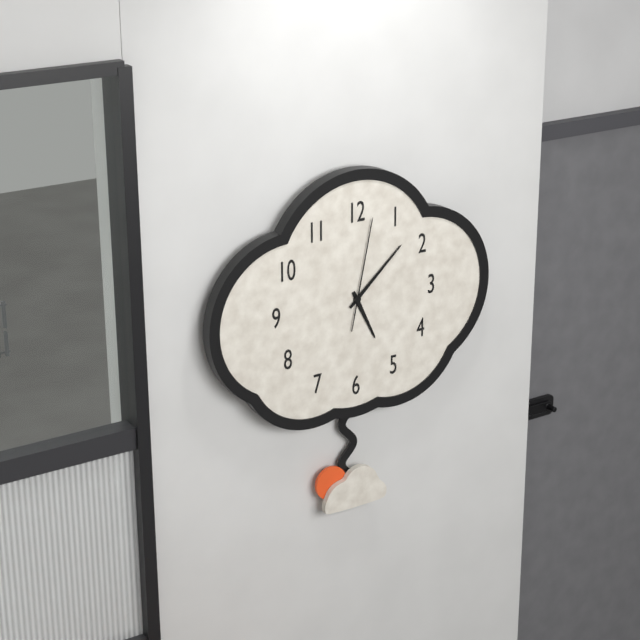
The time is 5:08:02
